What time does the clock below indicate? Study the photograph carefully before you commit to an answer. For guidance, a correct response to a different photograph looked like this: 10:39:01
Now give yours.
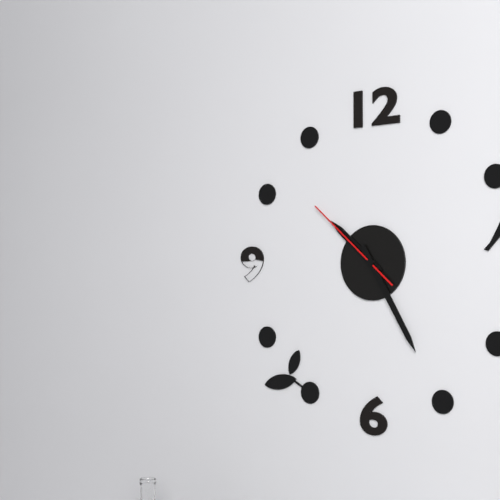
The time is 10:25:52
